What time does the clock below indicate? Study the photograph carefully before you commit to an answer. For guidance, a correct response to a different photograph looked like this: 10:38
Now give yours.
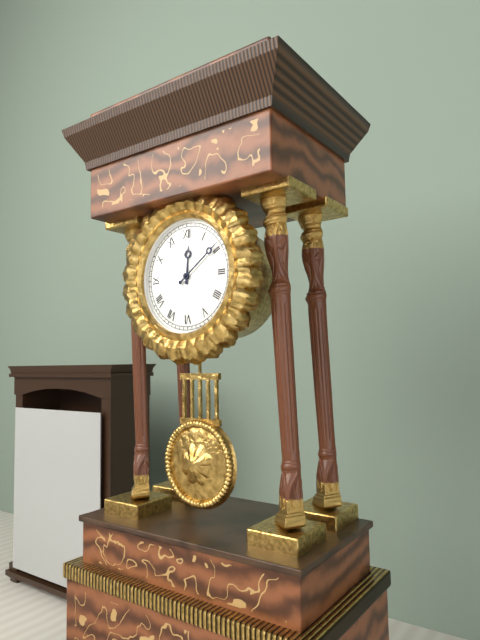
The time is 12:09
